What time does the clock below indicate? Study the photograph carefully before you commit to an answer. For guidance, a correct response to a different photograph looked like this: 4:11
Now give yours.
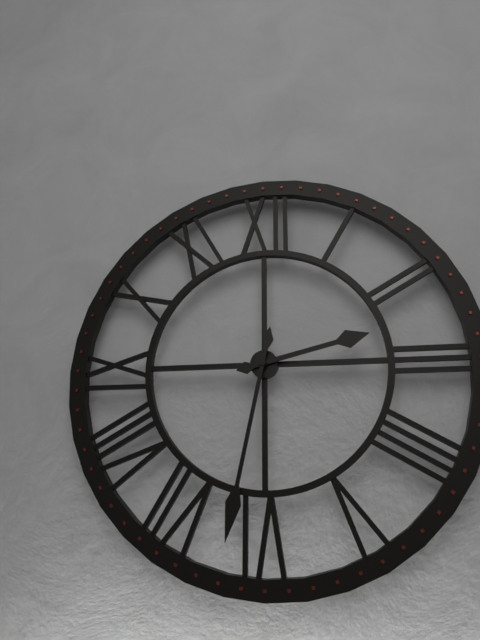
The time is 2:32
